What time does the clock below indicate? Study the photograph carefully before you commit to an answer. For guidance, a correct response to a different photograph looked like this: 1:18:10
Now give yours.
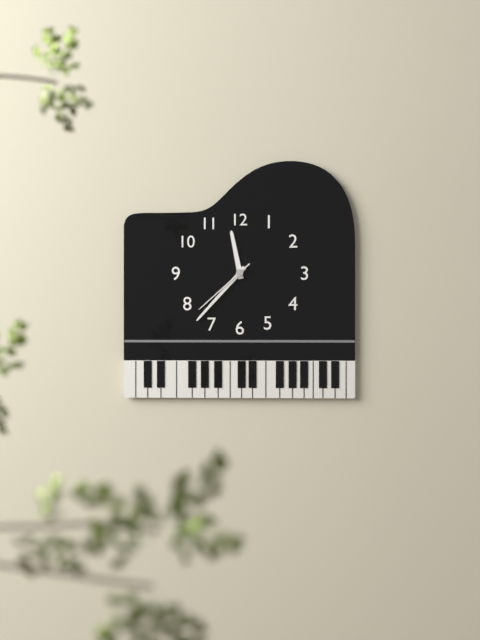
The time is 11:37:38
